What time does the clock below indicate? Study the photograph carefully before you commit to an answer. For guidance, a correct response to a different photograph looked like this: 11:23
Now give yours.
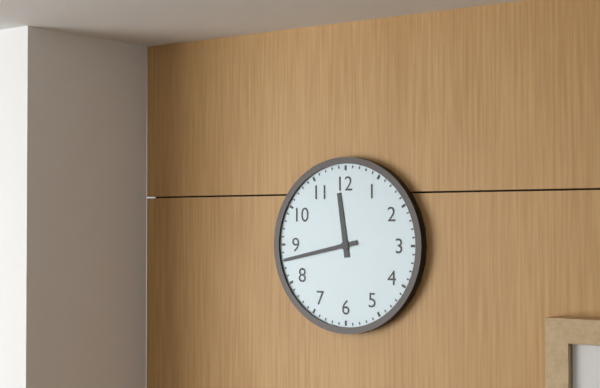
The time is 11:43
